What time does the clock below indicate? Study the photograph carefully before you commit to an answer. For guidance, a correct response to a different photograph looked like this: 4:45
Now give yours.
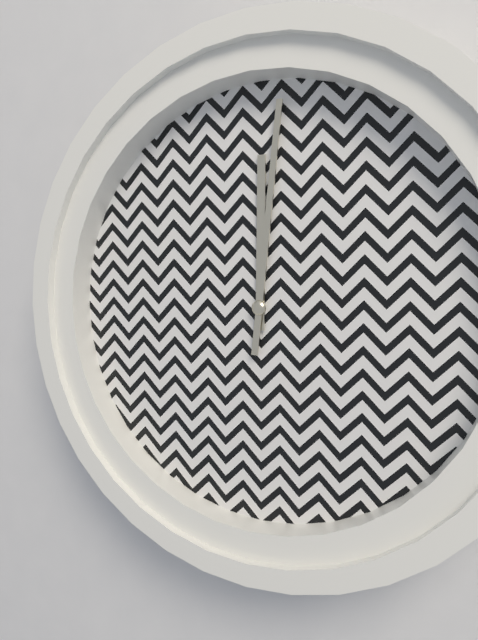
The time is 12:01
